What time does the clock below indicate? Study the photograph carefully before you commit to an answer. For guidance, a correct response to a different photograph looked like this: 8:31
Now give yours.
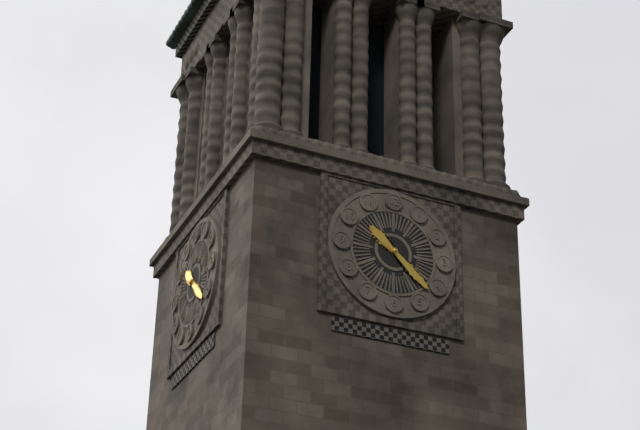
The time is 10:22
